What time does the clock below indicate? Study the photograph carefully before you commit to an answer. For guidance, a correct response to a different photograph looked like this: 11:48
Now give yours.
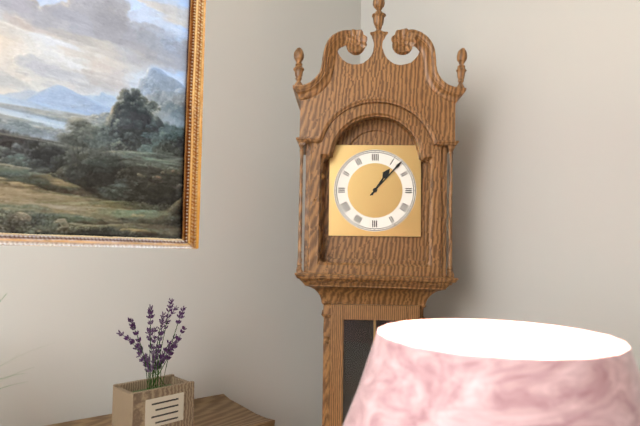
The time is 1:07
